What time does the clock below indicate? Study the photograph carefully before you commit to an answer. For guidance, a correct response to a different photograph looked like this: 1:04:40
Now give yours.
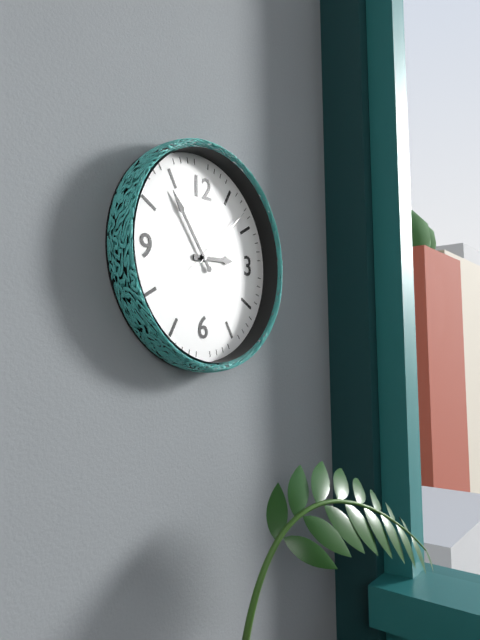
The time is 2:54:08
